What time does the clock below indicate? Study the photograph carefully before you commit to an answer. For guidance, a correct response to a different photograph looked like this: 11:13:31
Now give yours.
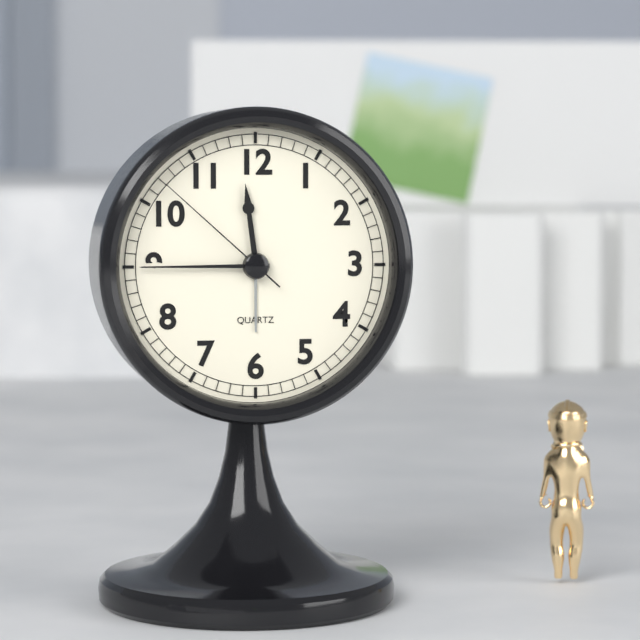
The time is 11:45:52
